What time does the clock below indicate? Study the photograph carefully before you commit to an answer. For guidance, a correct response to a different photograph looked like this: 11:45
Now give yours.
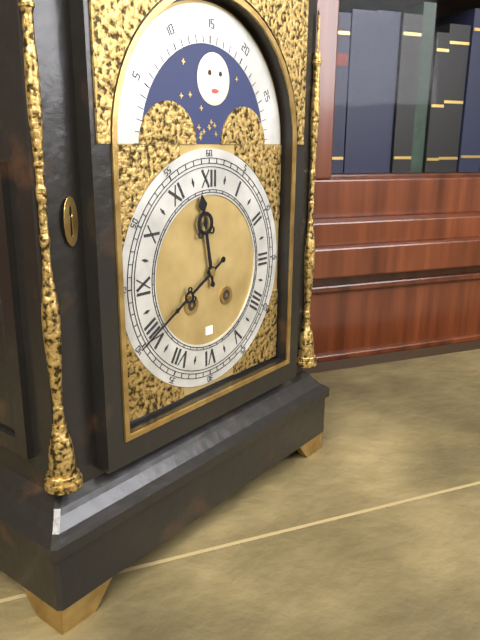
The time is 11:40
